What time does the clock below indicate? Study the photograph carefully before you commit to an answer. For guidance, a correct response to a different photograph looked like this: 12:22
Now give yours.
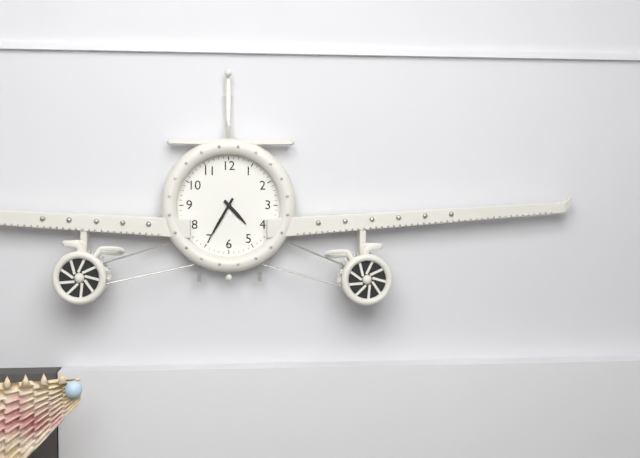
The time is 4:35
